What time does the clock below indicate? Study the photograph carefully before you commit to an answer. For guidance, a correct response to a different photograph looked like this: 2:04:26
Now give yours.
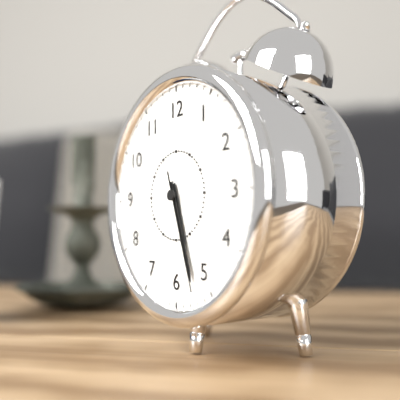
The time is 5:27:27
